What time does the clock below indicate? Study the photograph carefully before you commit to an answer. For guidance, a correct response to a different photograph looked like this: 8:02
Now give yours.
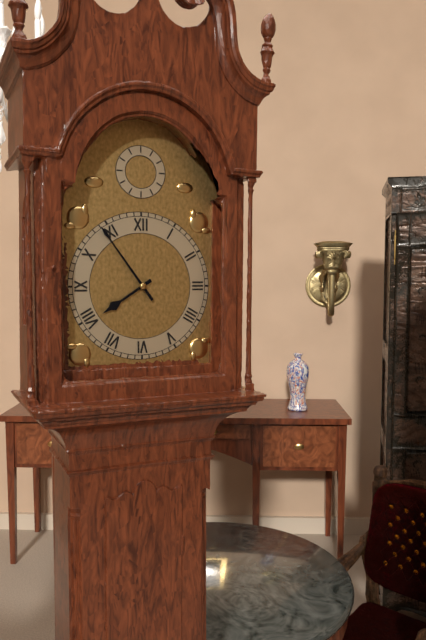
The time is 7:54
